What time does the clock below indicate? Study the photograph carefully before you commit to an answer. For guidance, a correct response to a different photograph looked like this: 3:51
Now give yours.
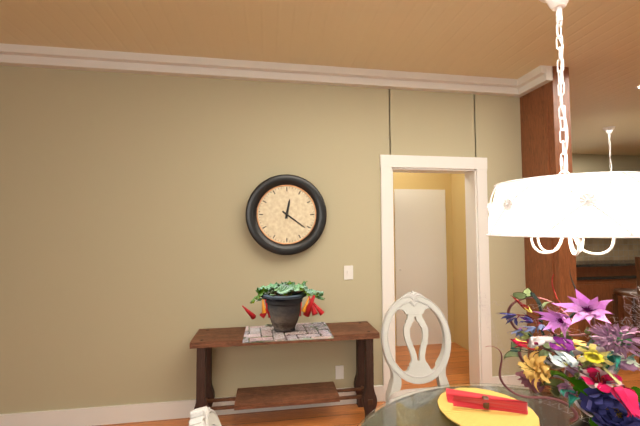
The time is 12:21
